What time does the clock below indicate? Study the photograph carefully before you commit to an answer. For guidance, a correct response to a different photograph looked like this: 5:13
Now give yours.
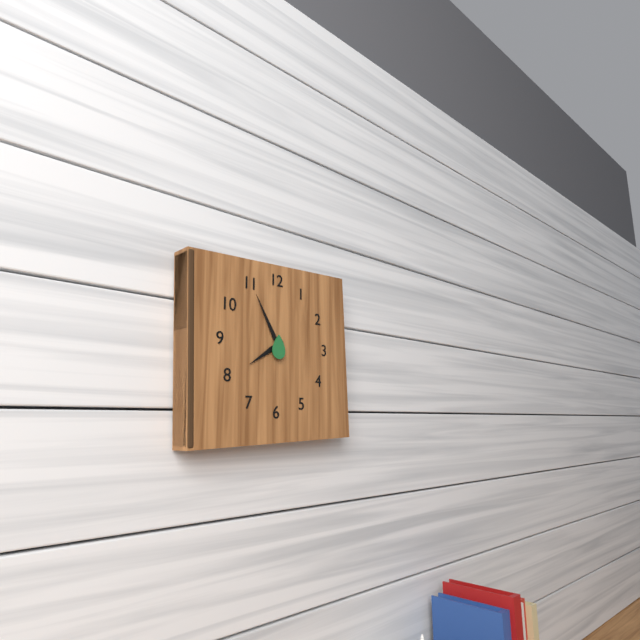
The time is 7:55
